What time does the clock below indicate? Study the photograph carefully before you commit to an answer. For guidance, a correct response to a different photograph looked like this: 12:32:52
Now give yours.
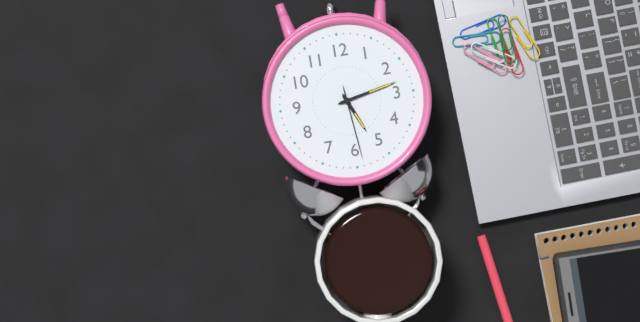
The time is 5:13:29
